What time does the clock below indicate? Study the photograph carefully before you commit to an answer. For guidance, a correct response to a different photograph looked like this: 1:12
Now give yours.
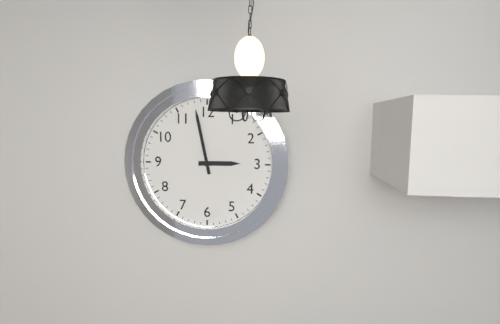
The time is 2:58
